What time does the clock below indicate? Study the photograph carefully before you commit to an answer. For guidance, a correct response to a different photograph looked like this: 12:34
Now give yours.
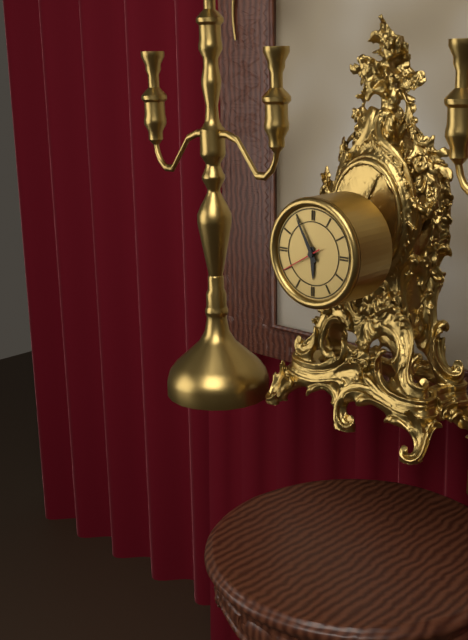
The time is 5:55
